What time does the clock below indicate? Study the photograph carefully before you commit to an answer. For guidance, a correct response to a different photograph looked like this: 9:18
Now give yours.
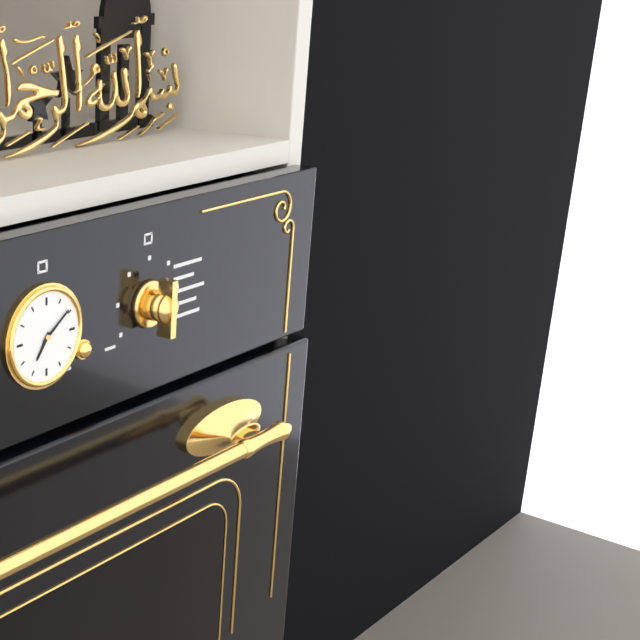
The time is 7:09
